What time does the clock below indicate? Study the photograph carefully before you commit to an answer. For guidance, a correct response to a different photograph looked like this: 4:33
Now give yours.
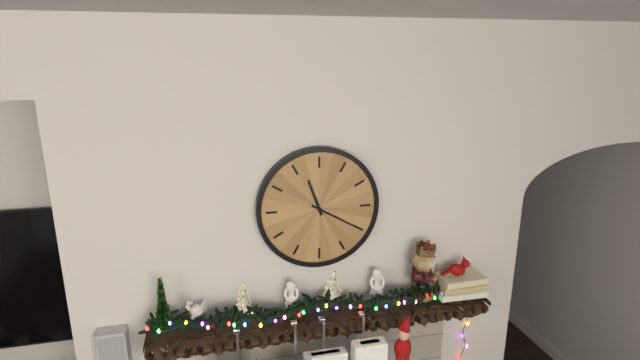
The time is 11:20
